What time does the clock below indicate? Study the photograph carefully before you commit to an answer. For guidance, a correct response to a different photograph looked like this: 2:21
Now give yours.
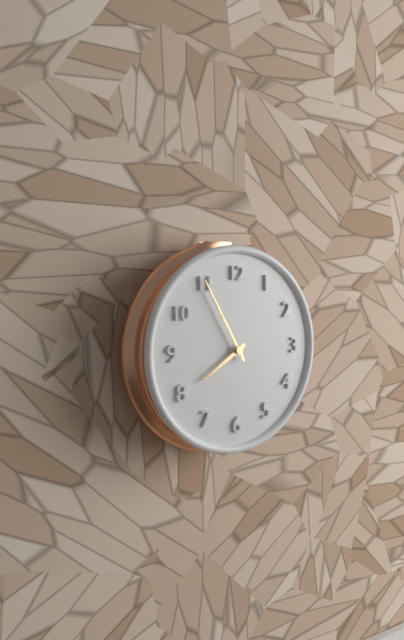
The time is 7:55
